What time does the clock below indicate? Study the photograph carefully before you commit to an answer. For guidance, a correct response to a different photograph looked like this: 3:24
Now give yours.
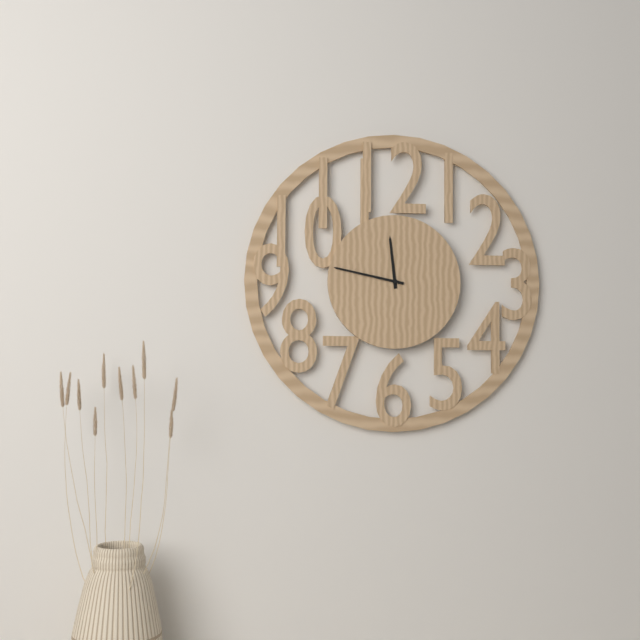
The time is 11:47
